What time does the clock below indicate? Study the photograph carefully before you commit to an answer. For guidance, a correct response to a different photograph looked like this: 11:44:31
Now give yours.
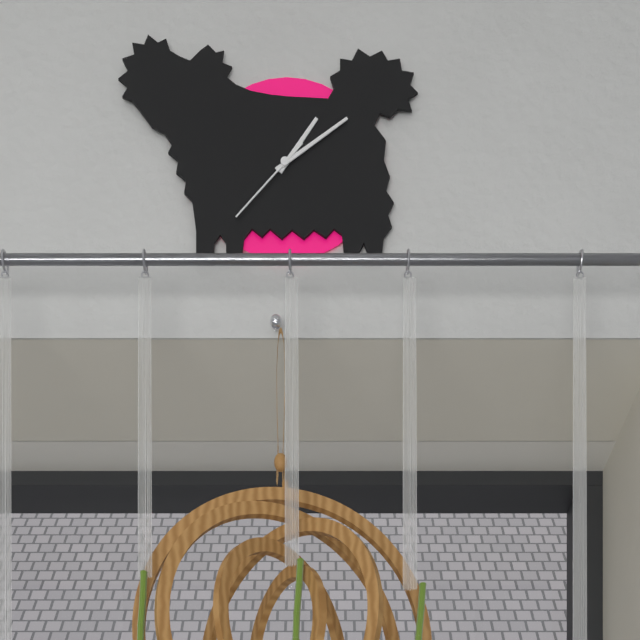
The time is 1:09:37
